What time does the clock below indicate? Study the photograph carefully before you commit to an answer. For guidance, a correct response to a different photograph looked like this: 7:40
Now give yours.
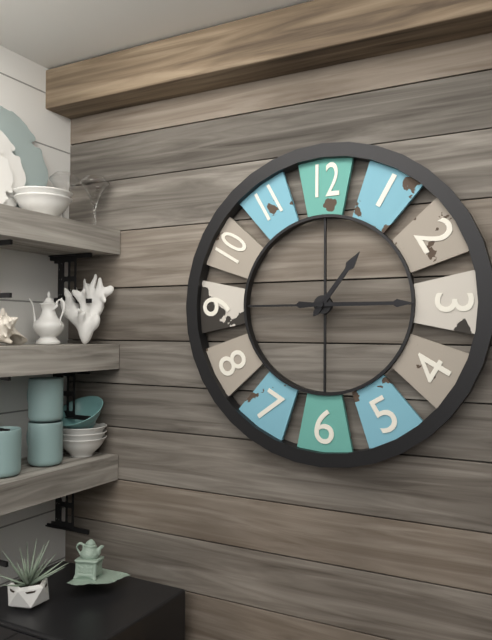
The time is 1:15
